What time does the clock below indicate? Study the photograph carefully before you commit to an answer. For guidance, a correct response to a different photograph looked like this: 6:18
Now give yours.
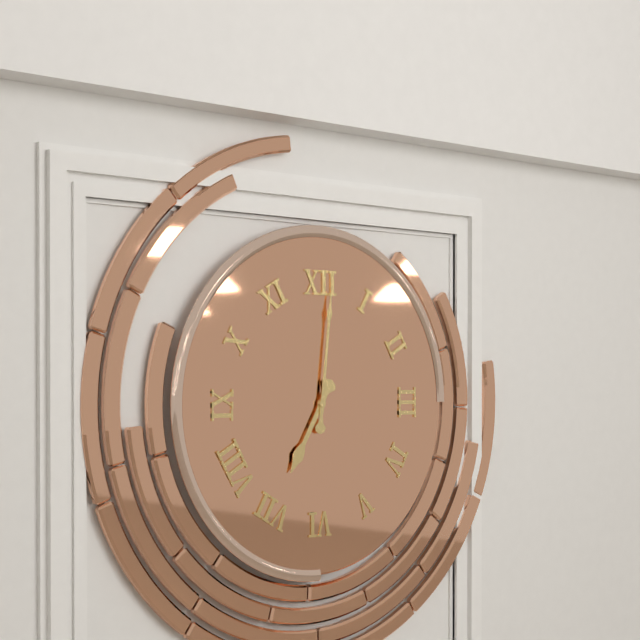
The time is 7:01
